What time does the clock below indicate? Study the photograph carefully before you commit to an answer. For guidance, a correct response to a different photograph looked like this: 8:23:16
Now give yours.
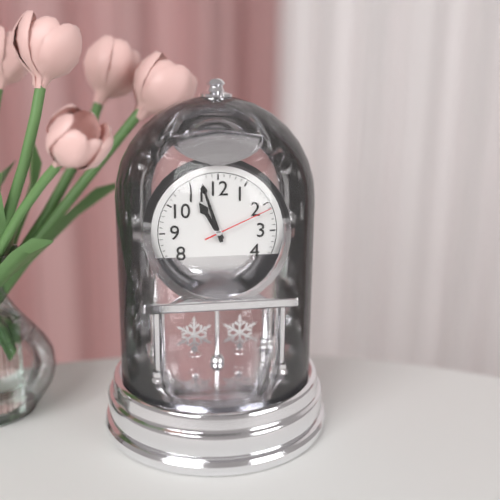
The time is 10:57:11
